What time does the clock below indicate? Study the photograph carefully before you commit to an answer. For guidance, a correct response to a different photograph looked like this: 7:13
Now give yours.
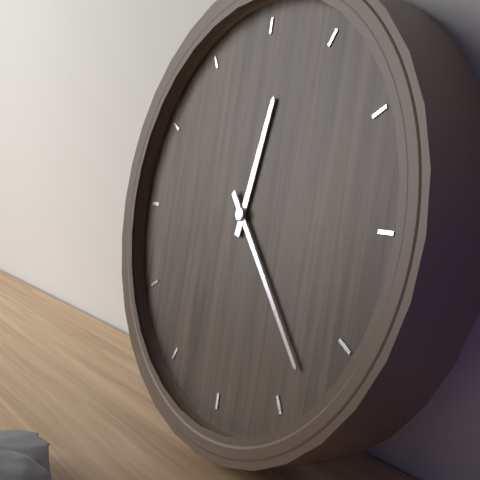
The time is 12:23
